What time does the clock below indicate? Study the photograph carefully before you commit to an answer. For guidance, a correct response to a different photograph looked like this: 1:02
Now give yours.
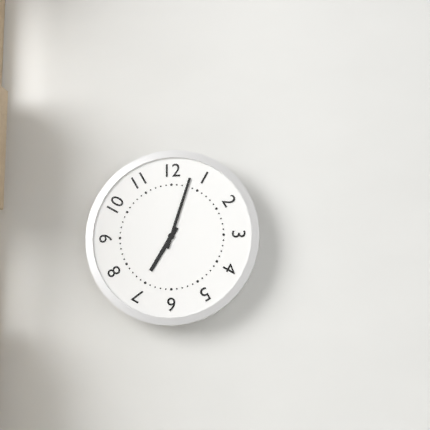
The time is 7:03
